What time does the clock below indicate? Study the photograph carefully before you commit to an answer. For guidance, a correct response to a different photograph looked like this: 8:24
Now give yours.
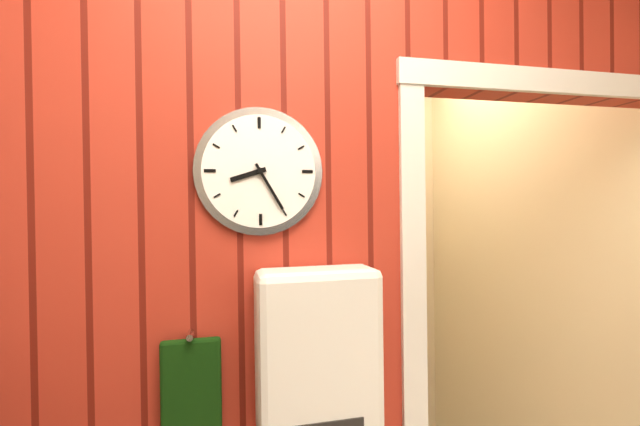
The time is 8:25
